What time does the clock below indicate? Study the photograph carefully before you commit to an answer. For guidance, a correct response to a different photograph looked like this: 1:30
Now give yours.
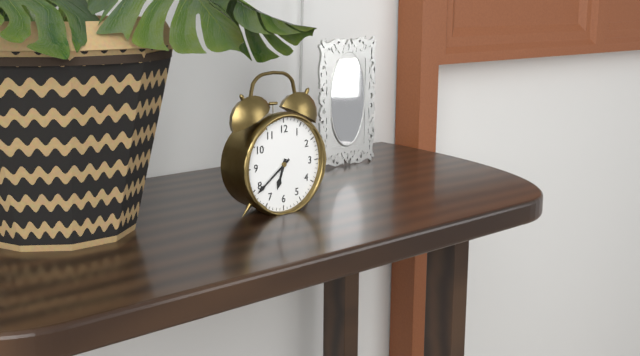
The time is 6:39
